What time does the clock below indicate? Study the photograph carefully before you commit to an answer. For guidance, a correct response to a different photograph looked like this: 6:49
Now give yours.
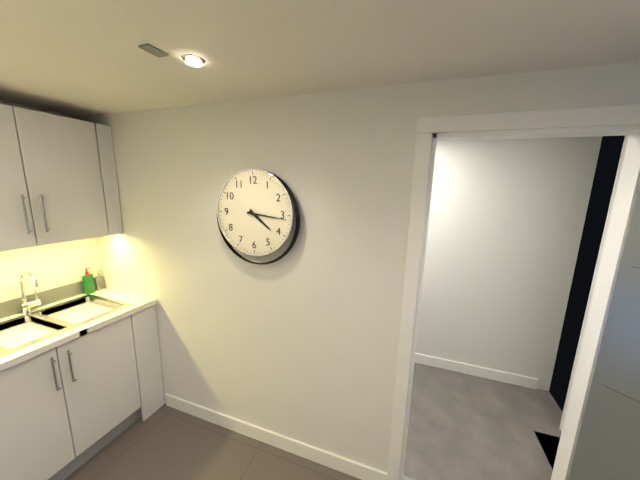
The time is 4:16
